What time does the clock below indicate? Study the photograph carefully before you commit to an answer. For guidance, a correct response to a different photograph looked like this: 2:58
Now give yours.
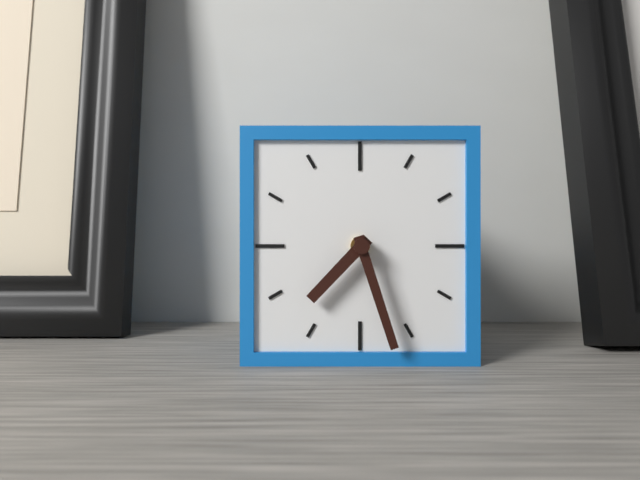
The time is 7:27
